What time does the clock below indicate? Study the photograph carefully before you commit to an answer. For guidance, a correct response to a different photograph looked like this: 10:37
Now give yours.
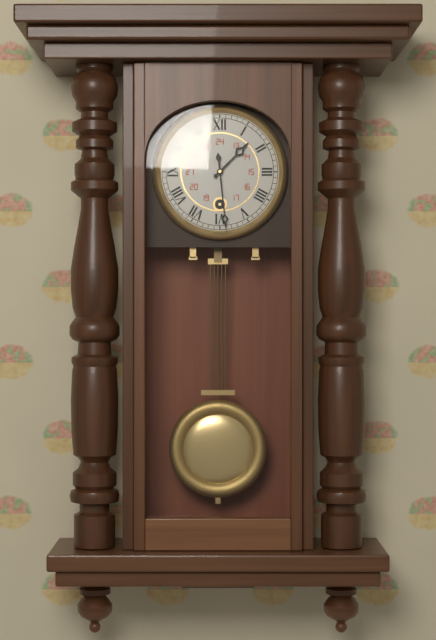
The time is 1:29
